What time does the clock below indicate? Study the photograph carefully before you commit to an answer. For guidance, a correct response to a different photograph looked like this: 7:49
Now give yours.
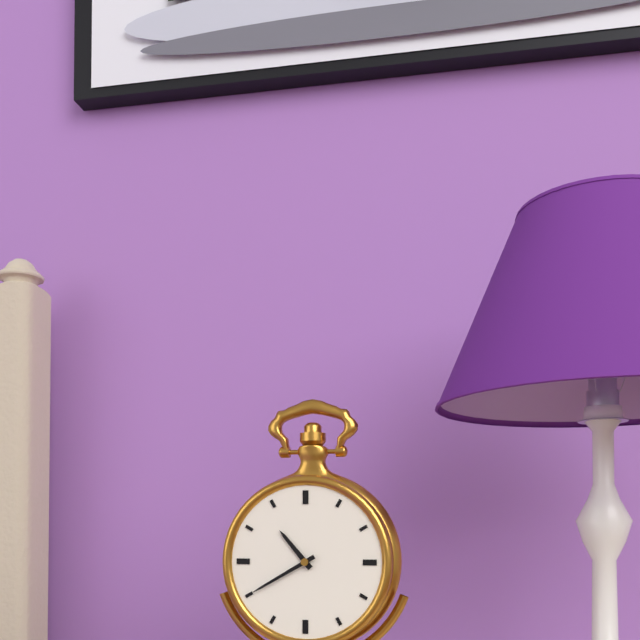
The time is 10:40
